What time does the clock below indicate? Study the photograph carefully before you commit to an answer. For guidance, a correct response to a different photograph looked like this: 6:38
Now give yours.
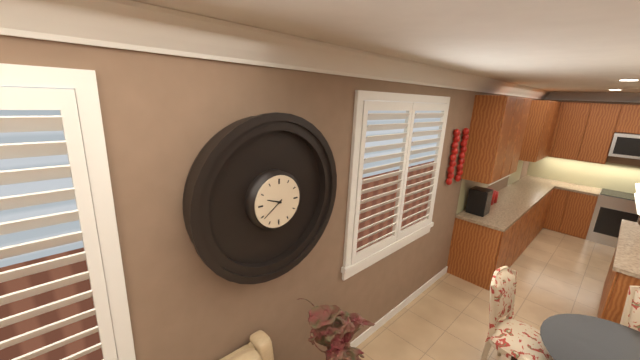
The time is 9:39
